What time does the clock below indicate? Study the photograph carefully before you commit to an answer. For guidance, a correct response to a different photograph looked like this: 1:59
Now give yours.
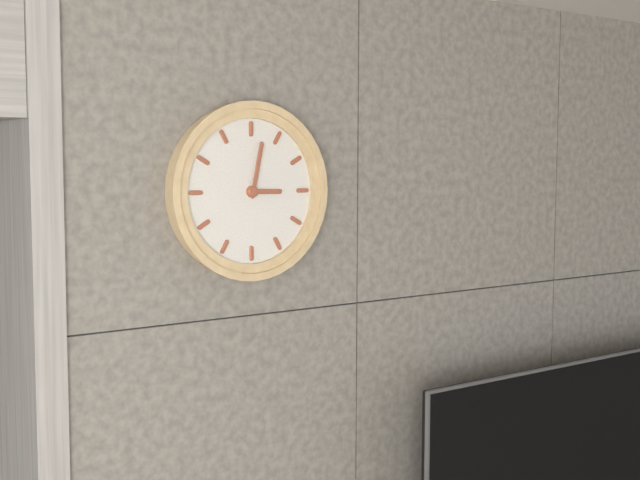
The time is 3:02
